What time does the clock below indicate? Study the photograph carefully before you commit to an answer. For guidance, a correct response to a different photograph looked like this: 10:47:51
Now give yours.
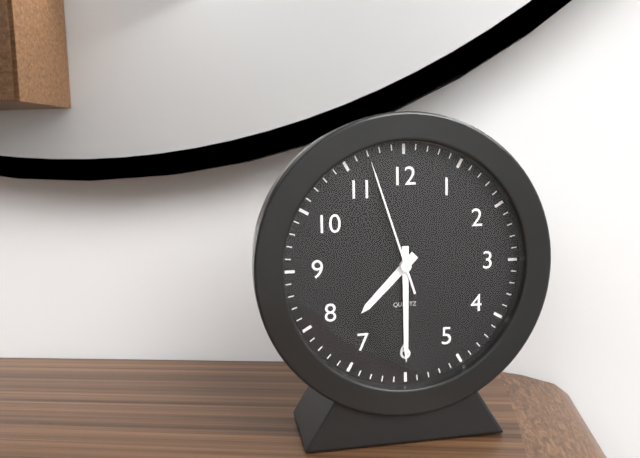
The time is 7:30:57
